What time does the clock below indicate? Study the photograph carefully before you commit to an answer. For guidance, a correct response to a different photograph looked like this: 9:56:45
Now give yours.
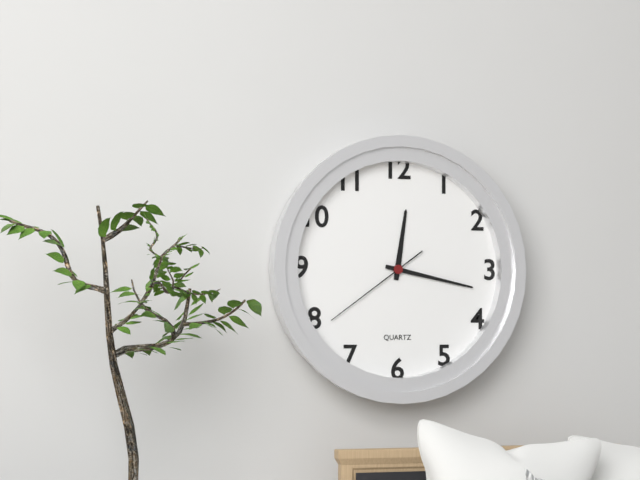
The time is 12:17:39
